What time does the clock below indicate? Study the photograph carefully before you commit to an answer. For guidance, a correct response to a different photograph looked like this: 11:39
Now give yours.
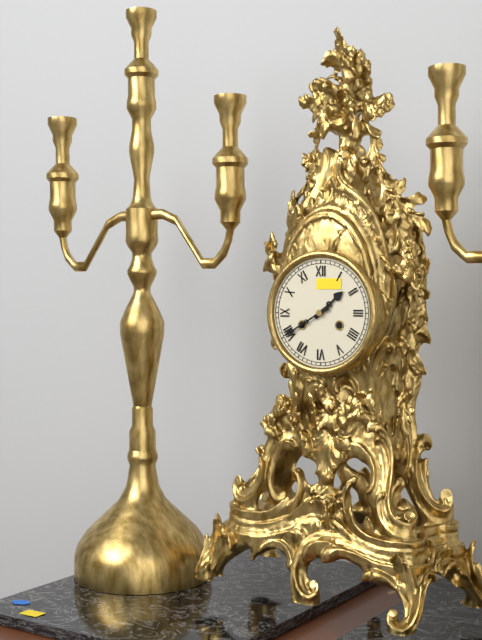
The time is 1:40
